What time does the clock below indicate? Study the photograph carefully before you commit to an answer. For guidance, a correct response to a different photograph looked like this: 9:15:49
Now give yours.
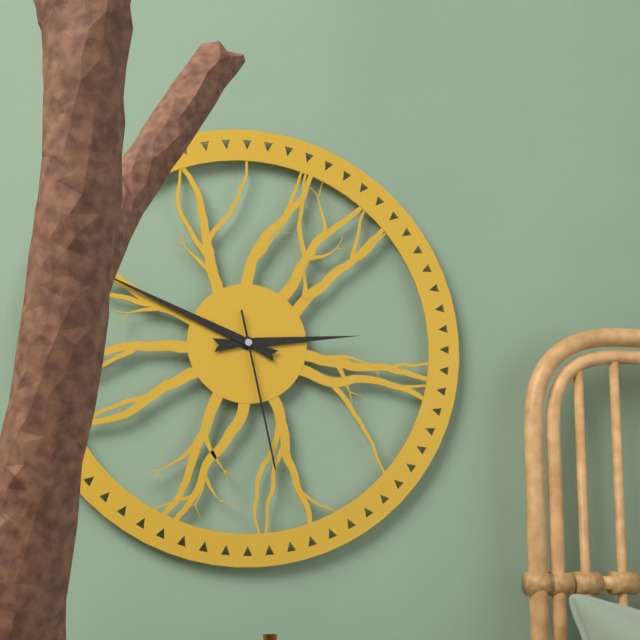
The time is 2:49:28
